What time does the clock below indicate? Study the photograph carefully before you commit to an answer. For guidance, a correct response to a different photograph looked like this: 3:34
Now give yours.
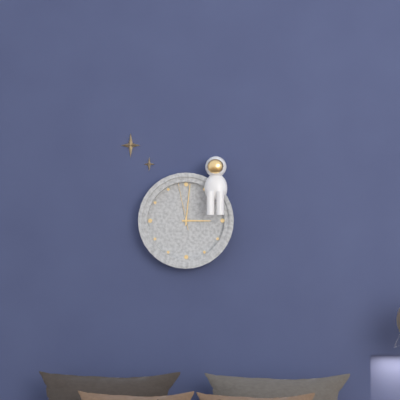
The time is 3:01
